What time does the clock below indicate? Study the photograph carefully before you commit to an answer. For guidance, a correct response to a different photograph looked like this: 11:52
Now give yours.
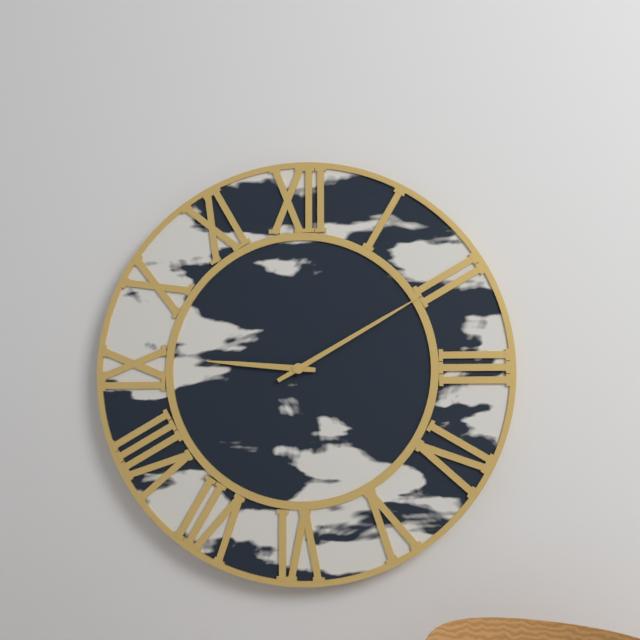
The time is 9:10
